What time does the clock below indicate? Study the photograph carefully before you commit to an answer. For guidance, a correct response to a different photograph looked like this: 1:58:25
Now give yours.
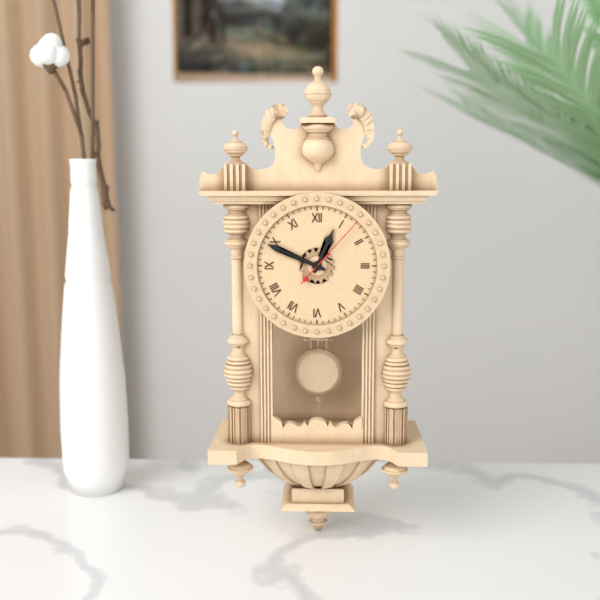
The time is 12:49:07
